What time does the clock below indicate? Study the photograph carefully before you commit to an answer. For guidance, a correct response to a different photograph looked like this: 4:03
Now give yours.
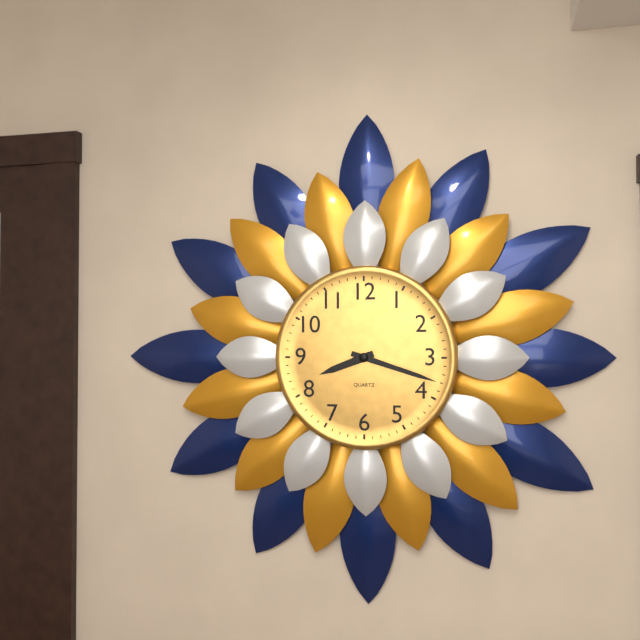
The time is 8:18
